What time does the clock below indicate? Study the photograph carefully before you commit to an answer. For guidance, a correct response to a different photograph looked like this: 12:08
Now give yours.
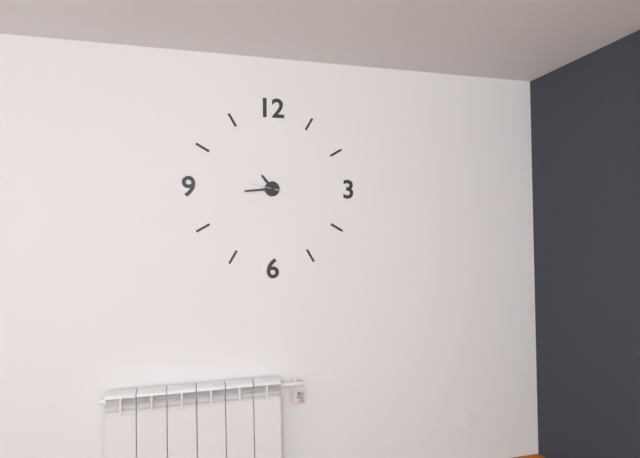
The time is 10:44
